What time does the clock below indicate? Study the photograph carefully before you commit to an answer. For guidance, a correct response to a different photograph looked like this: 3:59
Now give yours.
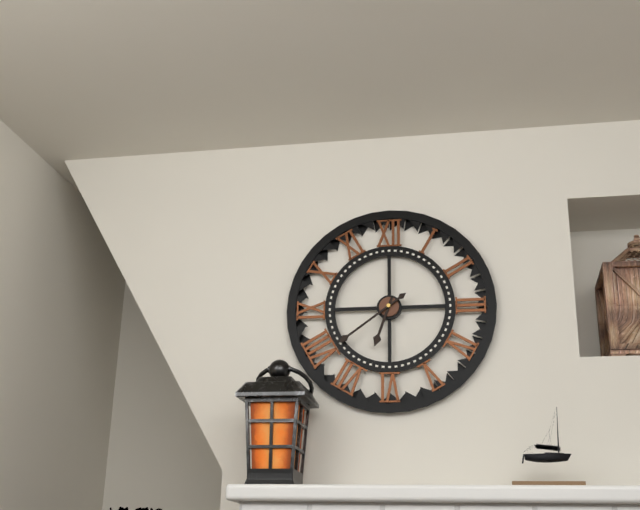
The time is 6:39
